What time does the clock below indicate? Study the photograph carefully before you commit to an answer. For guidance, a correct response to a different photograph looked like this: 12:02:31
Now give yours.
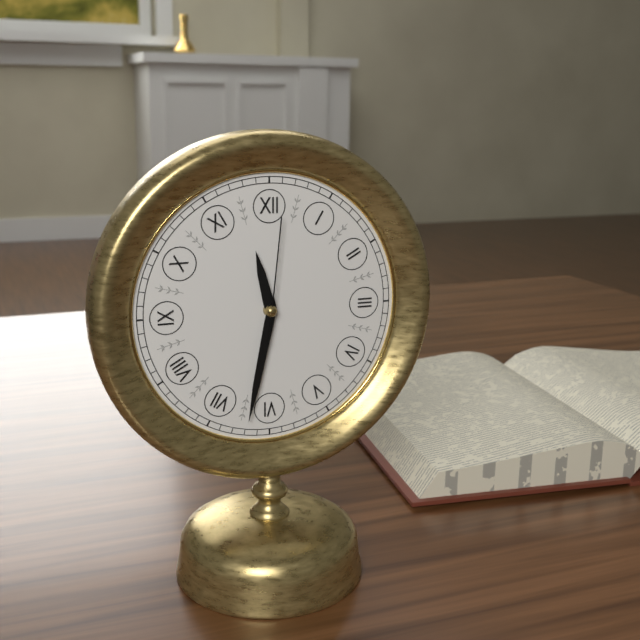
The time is 11:32:01
